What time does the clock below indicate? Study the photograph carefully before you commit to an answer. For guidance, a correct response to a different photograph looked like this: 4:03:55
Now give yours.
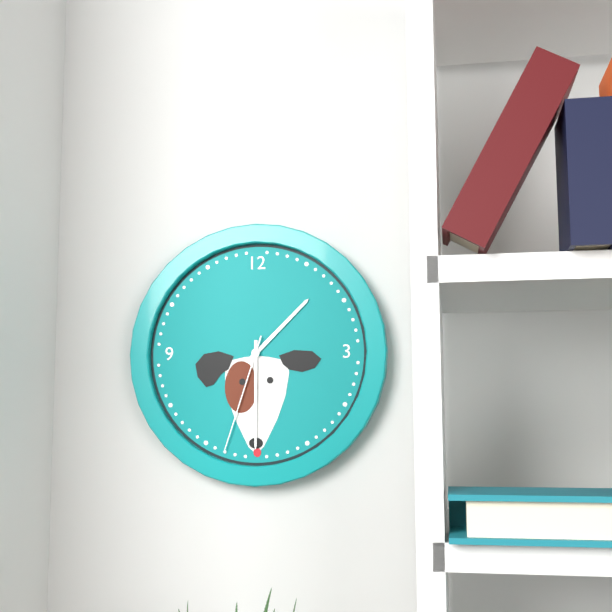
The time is 1:30:33
